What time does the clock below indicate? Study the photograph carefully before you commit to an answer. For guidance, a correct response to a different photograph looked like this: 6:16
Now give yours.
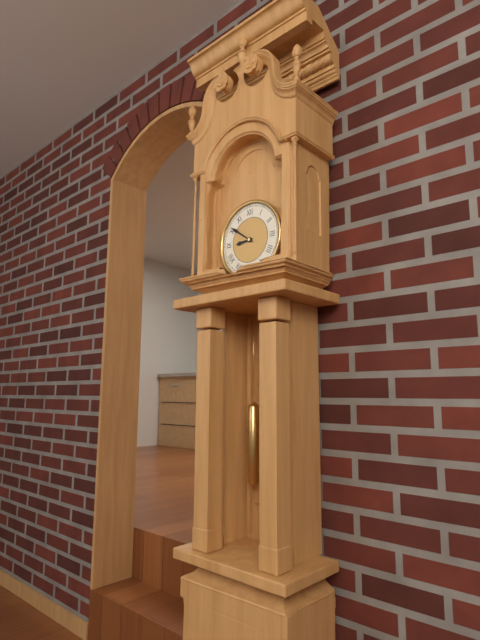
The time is 8:51
